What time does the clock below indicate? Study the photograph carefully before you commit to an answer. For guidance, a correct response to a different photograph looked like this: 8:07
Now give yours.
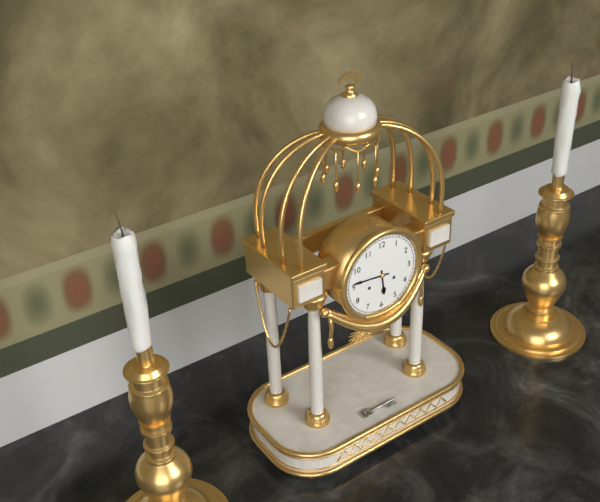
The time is 5:46
